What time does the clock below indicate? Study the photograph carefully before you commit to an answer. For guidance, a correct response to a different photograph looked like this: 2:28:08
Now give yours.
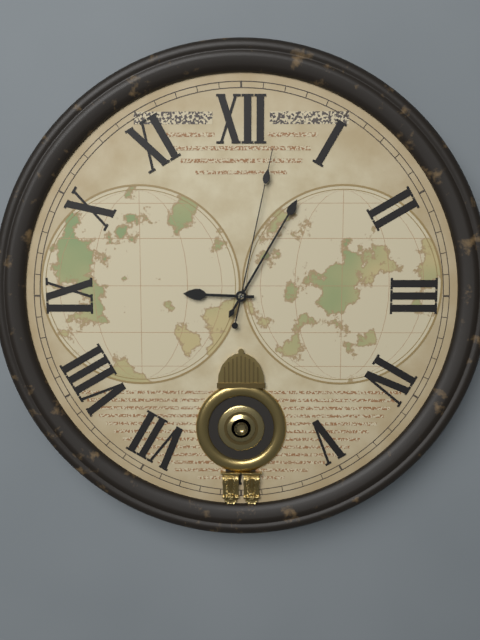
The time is 9:05:02
